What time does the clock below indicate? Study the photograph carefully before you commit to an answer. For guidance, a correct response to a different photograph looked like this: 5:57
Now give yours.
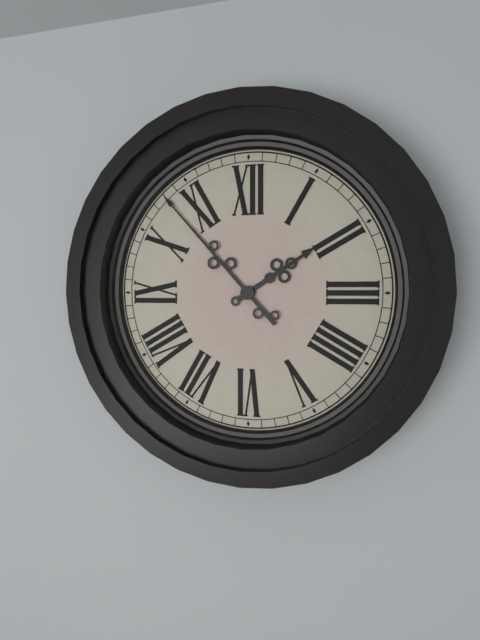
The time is 1:53
